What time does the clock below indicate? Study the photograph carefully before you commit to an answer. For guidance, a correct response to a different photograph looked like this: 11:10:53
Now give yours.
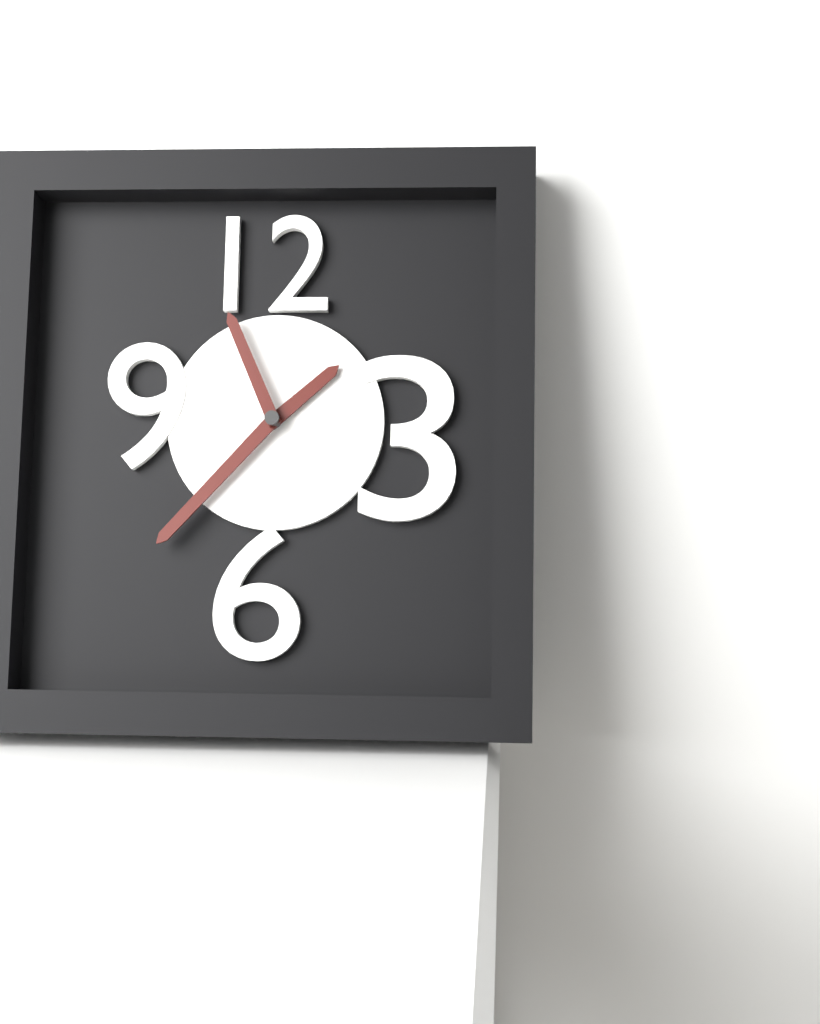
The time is 1:37:56
